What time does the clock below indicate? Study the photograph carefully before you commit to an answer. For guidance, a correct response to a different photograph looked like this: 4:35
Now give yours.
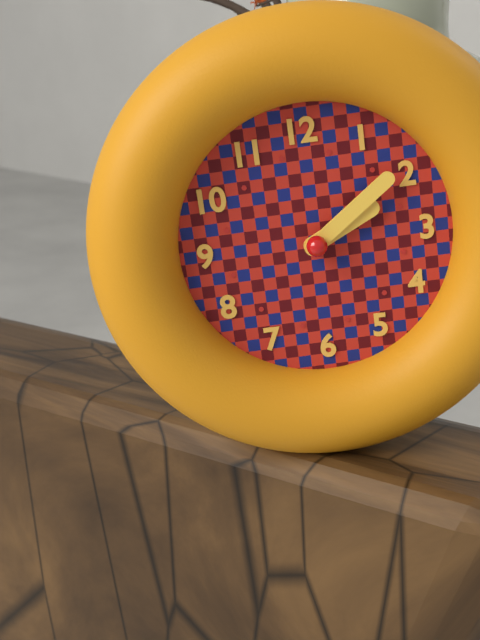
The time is 2:09
